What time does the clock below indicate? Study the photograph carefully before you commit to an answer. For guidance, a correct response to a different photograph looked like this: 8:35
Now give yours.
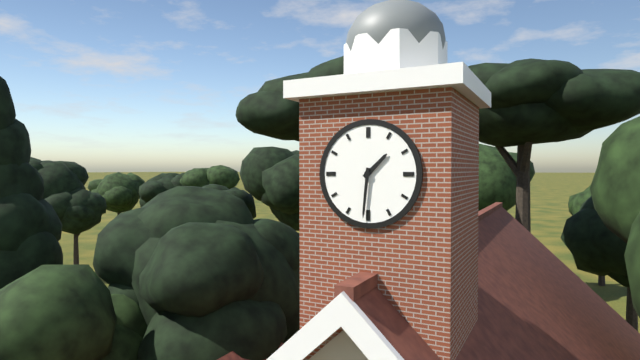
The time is 1:31
